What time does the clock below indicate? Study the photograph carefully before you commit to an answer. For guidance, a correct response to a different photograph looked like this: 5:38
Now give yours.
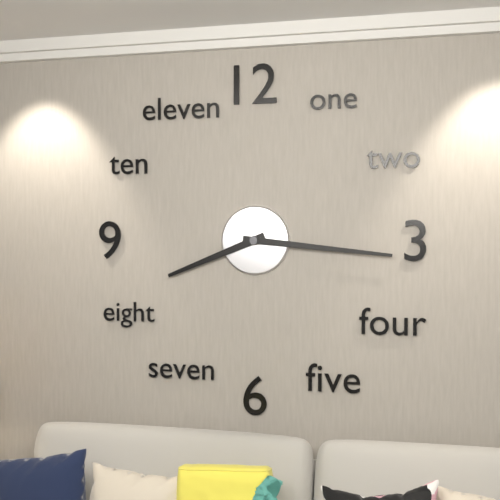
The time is 8:16
